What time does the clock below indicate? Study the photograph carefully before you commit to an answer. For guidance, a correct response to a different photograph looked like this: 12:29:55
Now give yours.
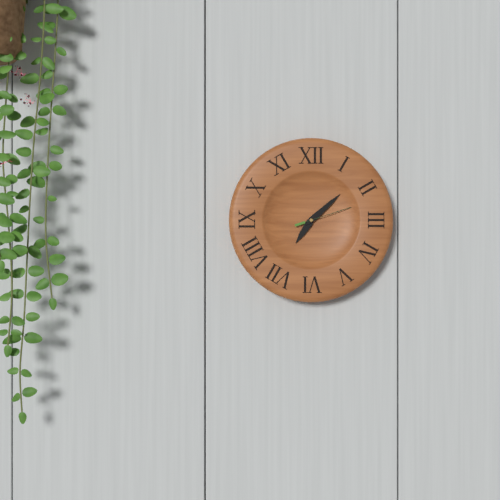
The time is 7:08:12
